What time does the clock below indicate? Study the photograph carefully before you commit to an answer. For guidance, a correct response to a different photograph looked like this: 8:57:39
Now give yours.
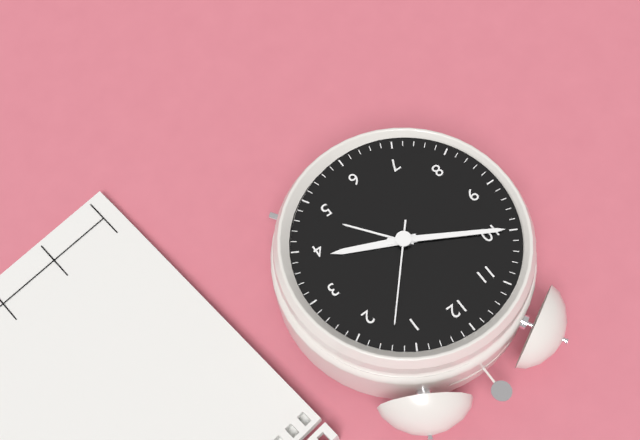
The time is 3:50:07
